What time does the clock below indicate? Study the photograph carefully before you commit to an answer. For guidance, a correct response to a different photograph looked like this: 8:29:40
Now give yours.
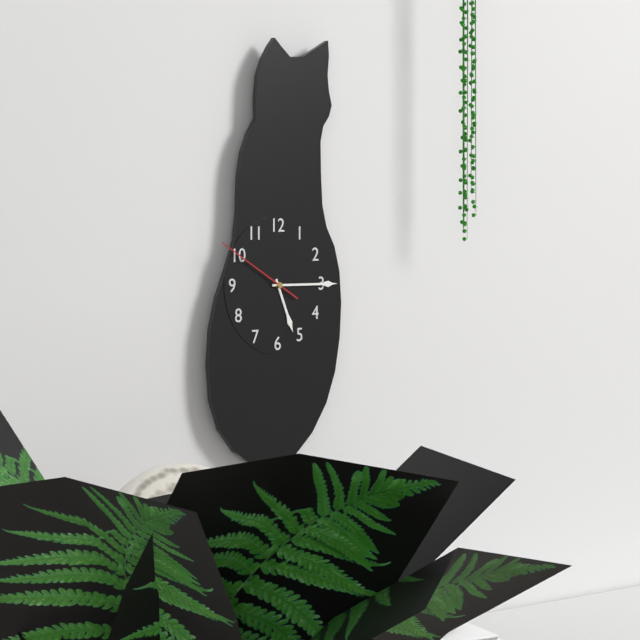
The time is 5:15:50
